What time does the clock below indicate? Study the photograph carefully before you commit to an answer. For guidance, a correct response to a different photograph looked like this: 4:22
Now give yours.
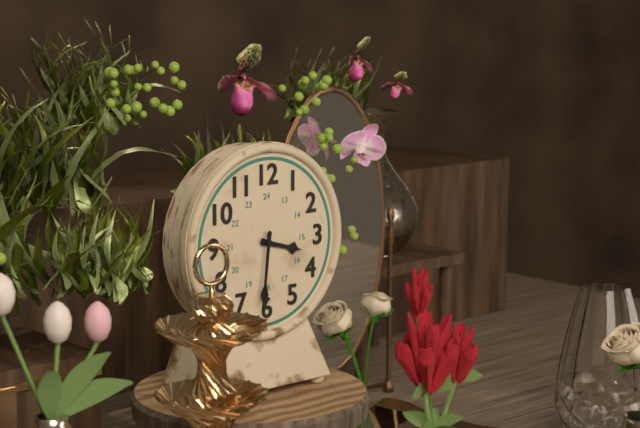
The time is 3:31
